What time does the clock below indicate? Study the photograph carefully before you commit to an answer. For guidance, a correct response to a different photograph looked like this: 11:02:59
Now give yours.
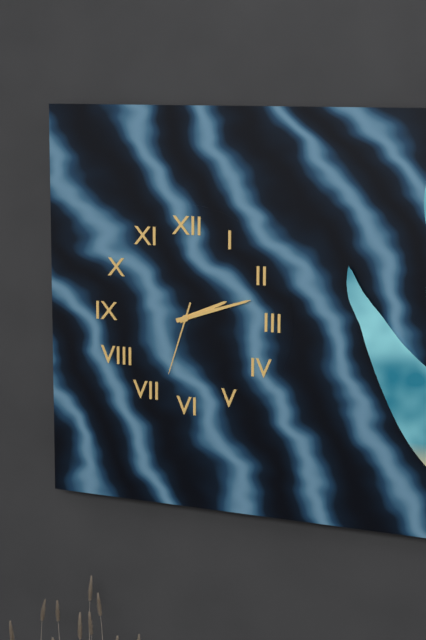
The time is 2:12:33
